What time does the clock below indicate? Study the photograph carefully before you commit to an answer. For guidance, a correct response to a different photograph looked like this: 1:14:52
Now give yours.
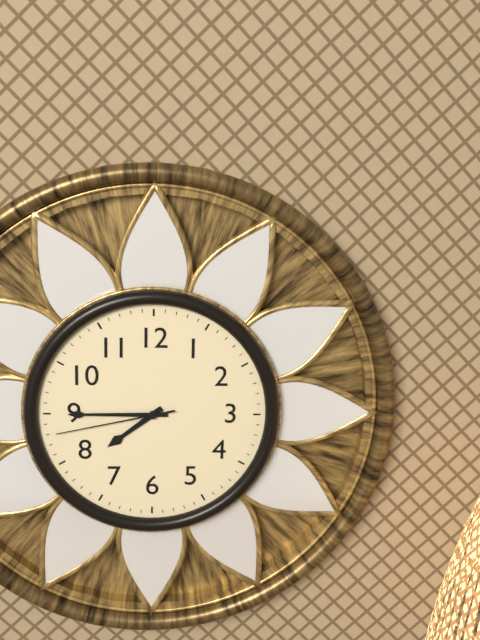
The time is 7:45:43
